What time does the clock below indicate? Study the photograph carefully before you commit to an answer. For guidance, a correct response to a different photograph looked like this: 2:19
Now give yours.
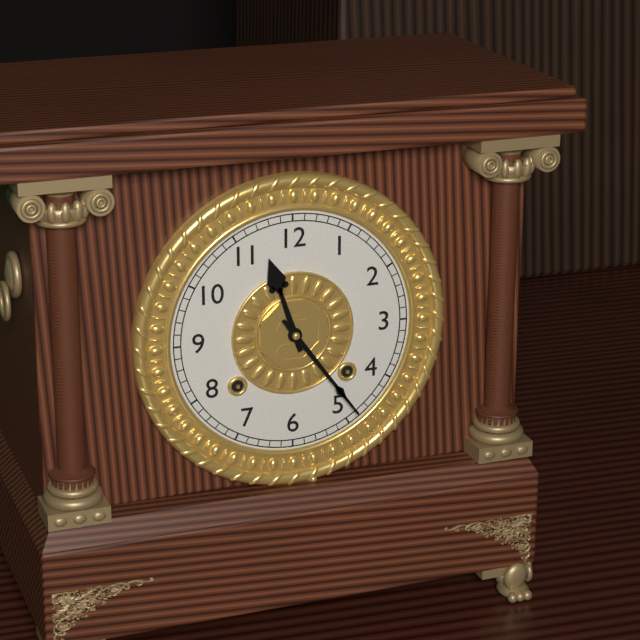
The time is 11:24
